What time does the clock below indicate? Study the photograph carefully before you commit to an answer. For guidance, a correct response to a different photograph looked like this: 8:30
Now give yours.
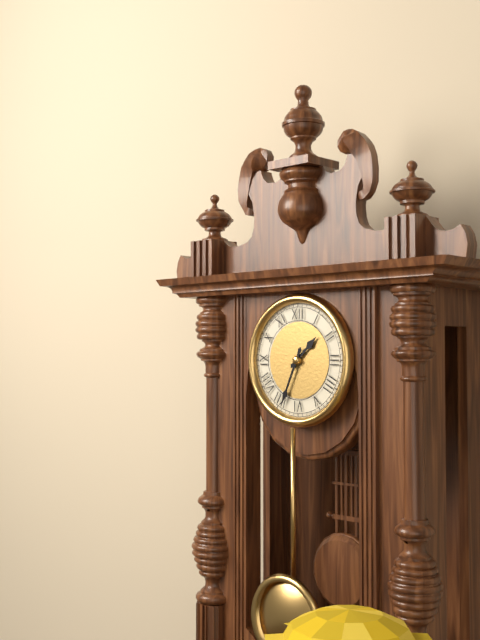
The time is 1:34
